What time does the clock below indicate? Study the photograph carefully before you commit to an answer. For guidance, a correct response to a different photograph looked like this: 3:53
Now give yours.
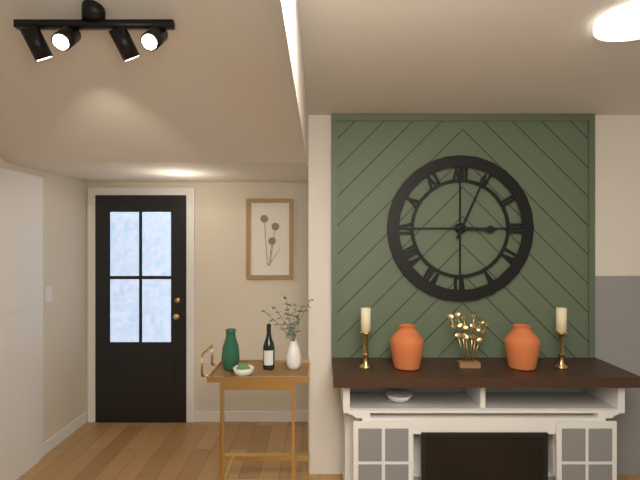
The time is 3:04
